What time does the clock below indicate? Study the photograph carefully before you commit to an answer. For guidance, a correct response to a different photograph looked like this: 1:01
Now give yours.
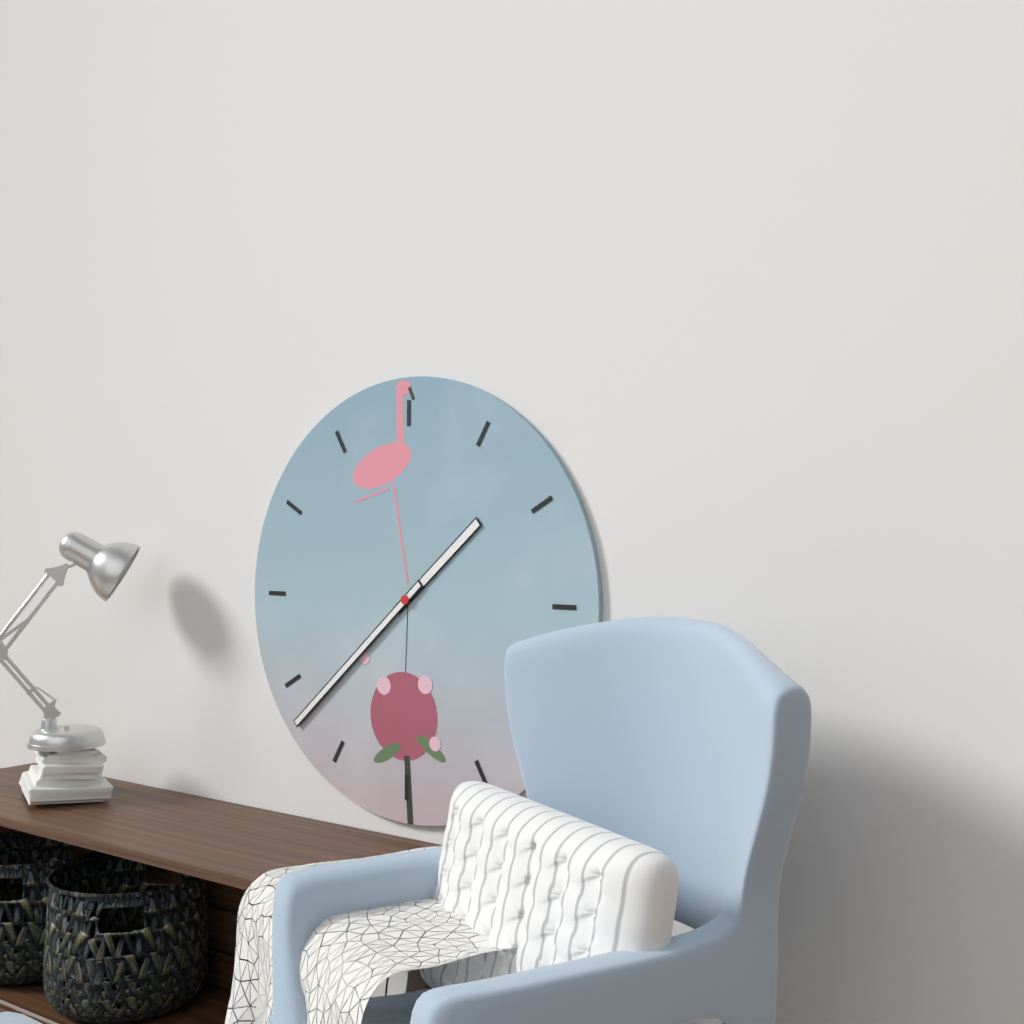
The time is 1:38
